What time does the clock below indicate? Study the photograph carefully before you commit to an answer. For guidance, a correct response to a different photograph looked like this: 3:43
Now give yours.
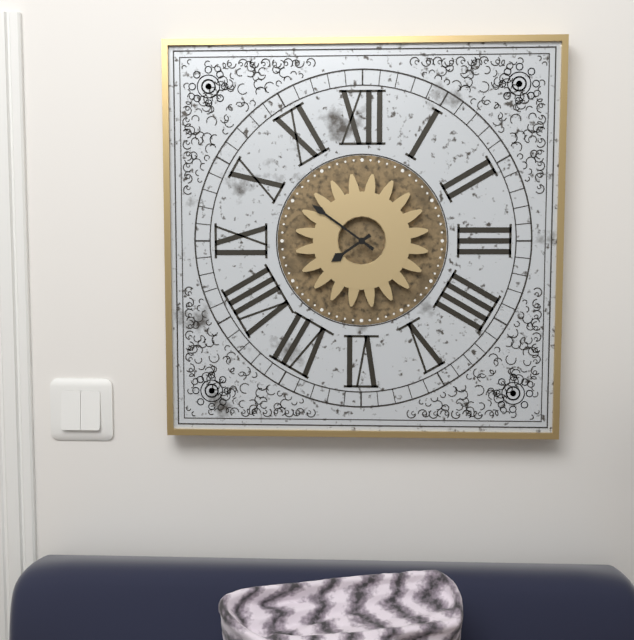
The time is 7:51
